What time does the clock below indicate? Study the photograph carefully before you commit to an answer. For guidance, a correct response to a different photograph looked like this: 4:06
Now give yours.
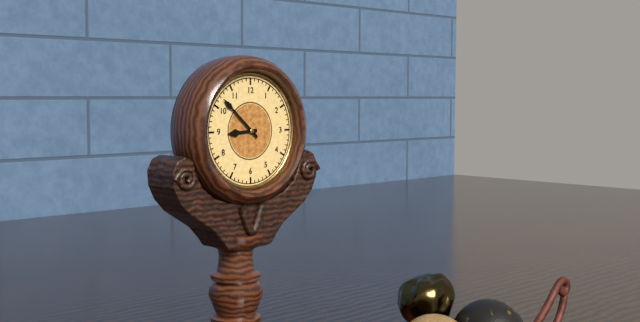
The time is 8:52
